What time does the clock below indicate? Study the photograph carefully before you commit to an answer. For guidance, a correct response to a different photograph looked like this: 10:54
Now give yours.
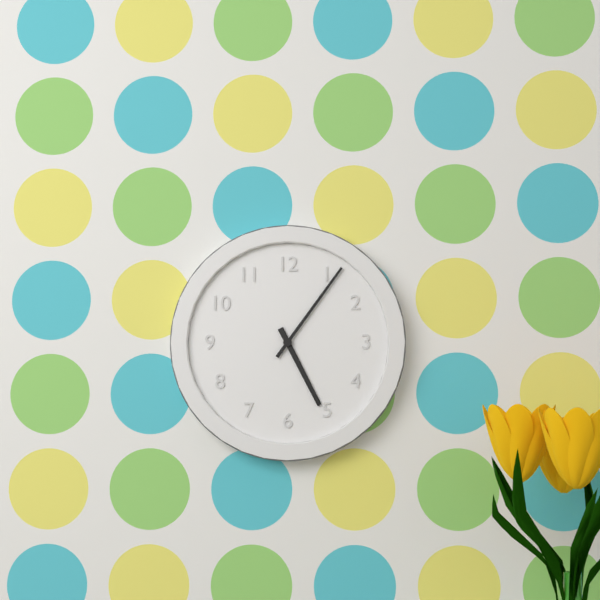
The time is 5:06
